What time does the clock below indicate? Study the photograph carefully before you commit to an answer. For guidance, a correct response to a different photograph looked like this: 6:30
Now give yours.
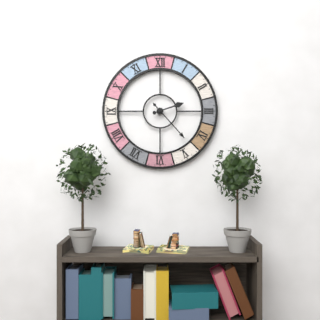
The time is 2:23
